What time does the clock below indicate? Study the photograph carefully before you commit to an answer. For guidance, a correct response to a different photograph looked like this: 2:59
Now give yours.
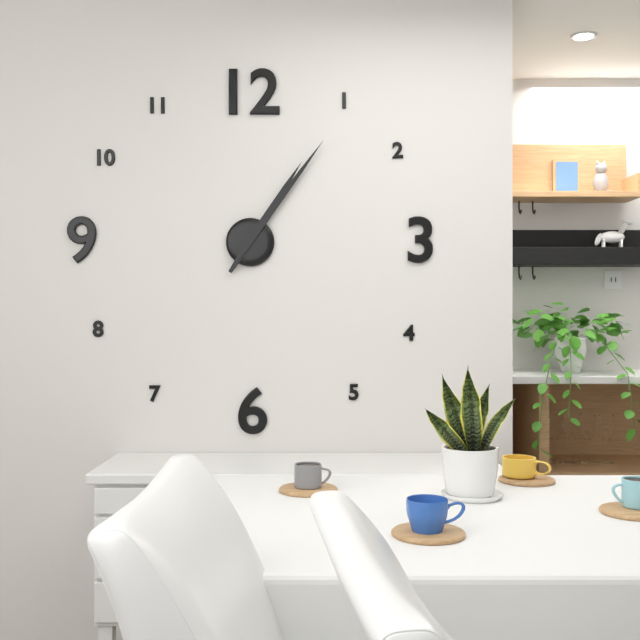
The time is 1:06
